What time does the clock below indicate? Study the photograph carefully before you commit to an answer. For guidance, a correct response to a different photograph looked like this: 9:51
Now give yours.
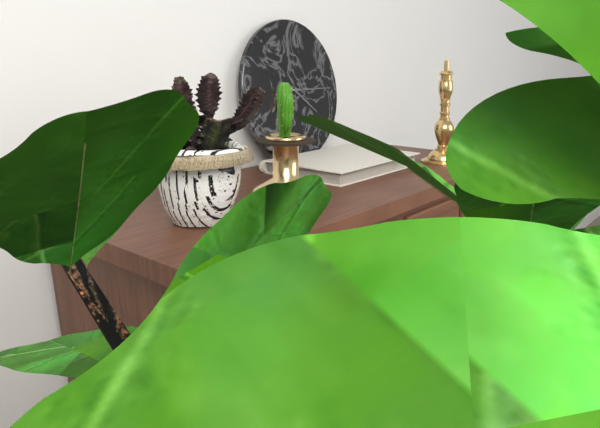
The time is 4:15
